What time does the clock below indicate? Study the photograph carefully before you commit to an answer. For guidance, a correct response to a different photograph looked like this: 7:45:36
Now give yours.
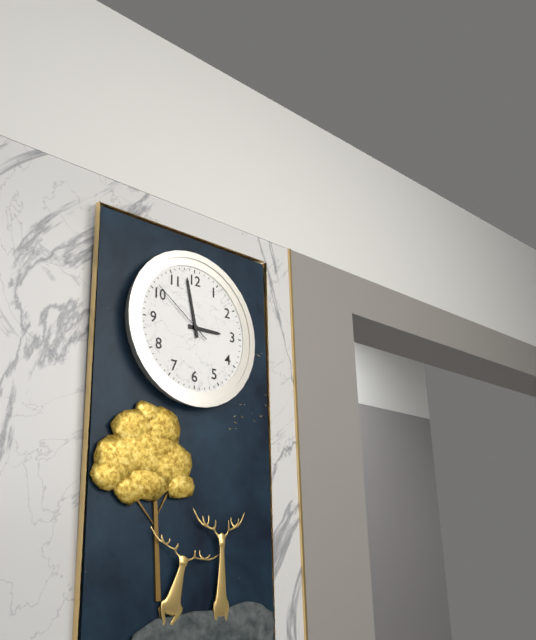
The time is 2:58:51
